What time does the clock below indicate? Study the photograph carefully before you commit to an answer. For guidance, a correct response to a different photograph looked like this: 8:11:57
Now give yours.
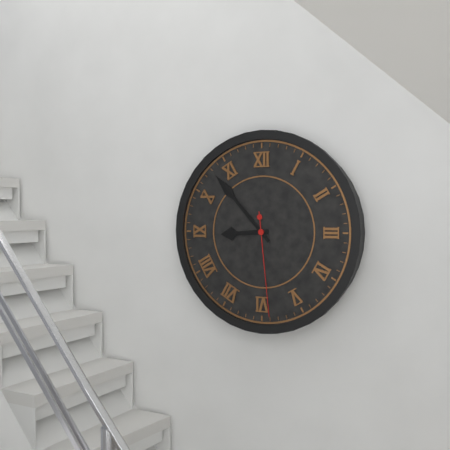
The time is 8:53:29
